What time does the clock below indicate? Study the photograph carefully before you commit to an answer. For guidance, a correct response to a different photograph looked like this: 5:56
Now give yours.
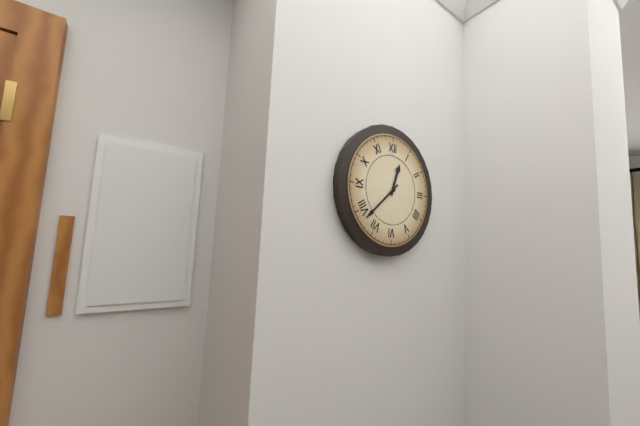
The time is 12:38
